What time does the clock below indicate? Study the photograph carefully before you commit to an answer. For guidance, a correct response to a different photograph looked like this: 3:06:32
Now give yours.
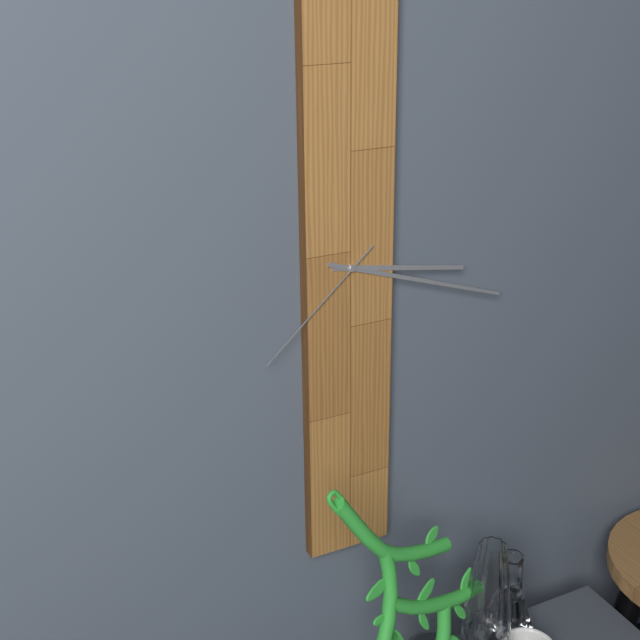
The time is 3:18:38
